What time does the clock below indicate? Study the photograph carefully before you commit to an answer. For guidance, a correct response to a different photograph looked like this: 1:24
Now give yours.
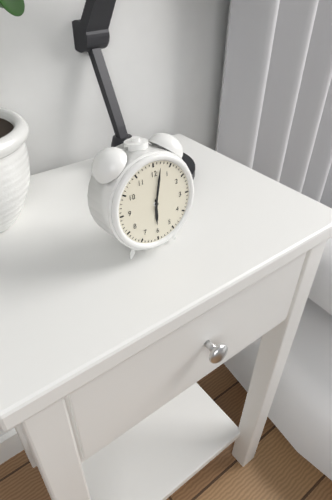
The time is 6:02
